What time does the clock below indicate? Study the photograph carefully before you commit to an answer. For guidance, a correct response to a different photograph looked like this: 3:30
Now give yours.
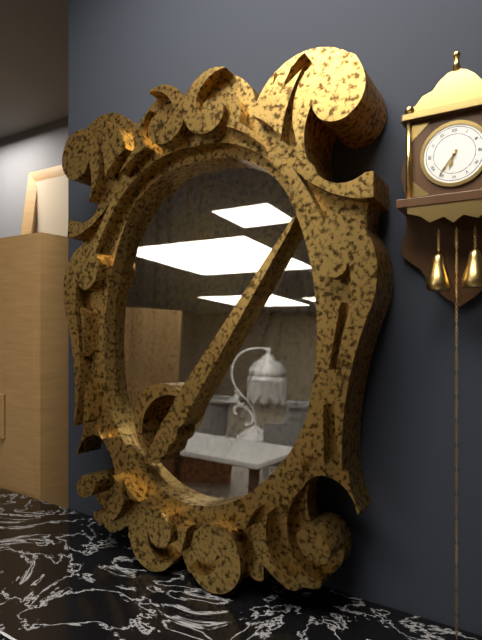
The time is 6:36
